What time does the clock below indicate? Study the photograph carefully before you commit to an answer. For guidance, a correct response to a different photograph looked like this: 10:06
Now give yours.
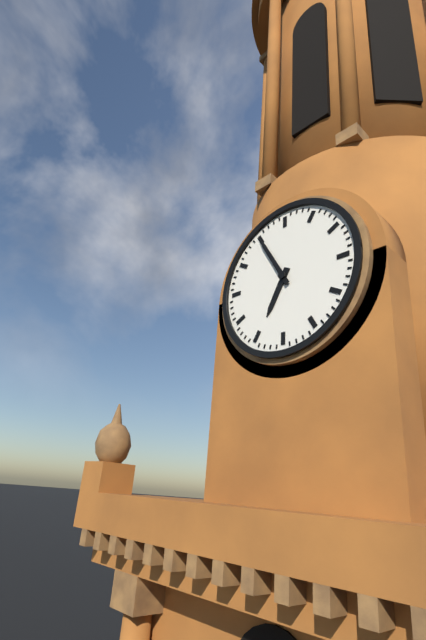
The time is 6:55
